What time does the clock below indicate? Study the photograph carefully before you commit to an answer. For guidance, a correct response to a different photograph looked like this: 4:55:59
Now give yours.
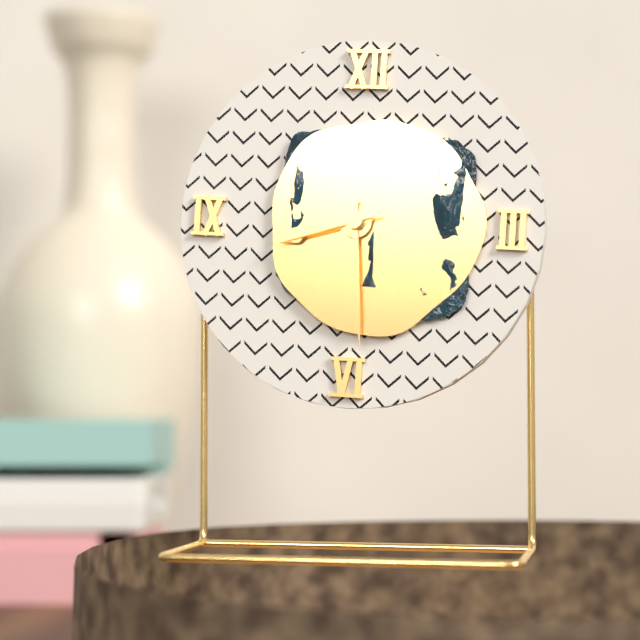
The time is 8:29:42
